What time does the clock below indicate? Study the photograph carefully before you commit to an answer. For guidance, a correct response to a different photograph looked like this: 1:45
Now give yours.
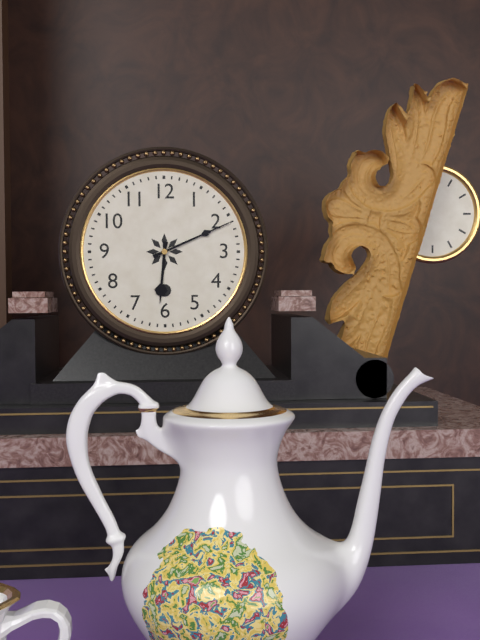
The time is 6:11
